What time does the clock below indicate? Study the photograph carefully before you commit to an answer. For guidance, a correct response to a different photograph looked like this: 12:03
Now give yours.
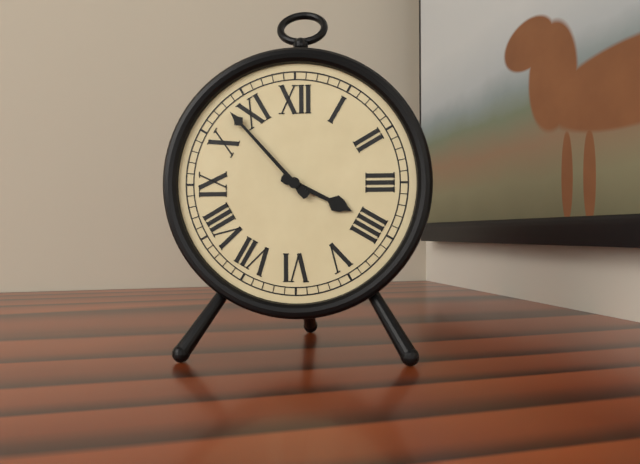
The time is 3:53
